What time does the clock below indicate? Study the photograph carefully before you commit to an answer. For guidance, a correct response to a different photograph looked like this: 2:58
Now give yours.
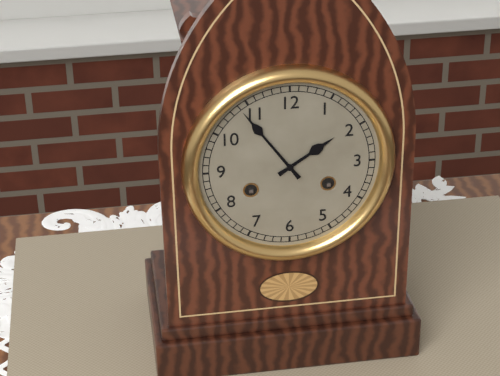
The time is 1:54
